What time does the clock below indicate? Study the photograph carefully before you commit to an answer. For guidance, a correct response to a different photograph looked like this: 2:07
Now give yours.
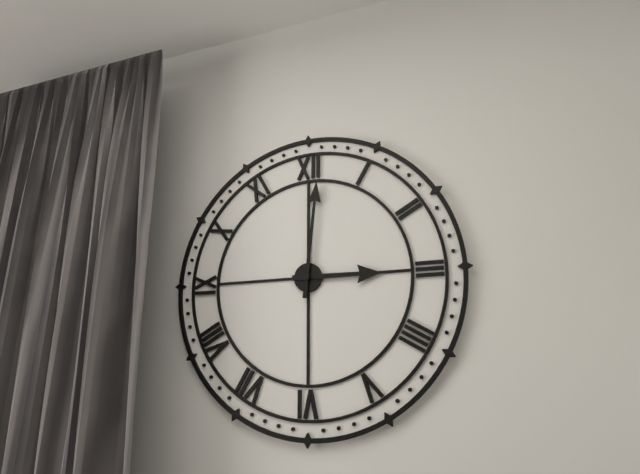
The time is 3:01
